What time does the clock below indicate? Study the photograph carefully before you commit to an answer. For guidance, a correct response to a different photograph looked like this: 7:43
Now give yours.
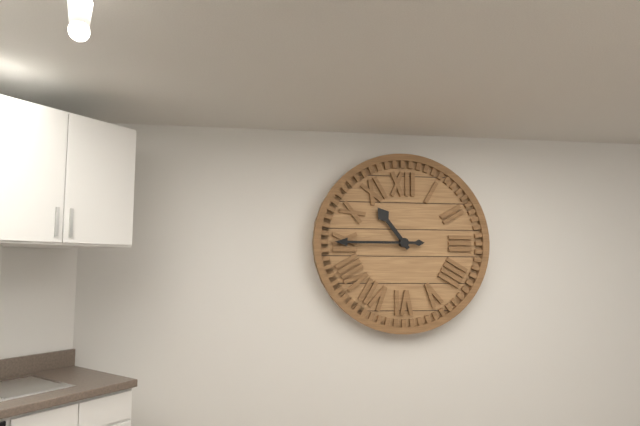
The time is 10:45
